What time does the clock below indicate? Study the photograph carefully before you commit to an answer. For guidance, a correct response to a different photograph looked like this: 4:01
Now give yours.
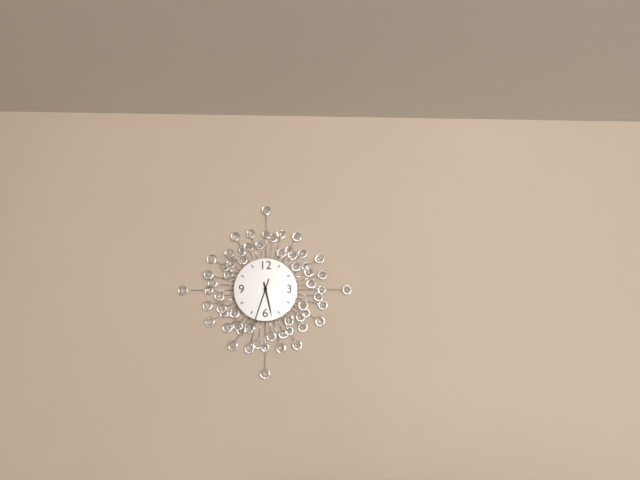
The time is 5:33
